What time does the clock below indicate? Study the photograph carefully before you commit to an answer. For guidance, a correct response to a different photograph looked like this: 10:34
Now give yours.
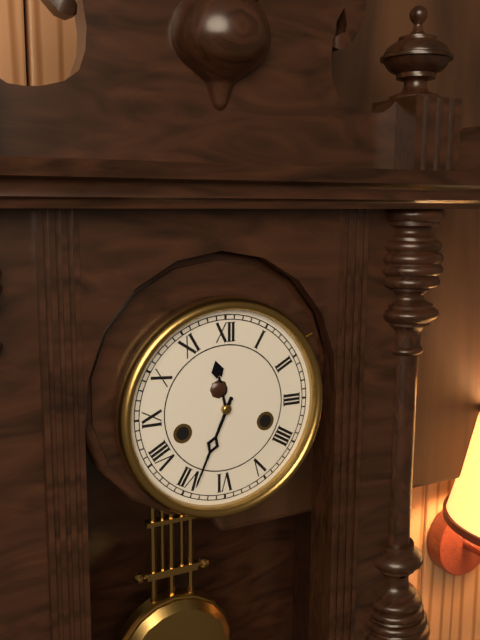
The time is 11:34
